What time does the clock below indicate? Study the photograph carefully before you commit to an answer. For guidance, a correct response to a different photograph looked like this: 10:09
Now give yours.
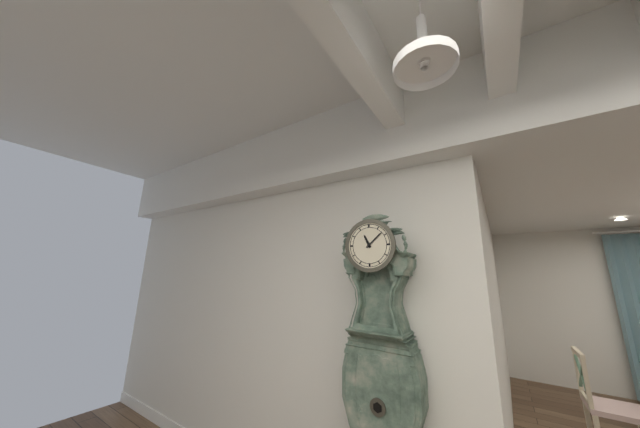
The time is 11:08
